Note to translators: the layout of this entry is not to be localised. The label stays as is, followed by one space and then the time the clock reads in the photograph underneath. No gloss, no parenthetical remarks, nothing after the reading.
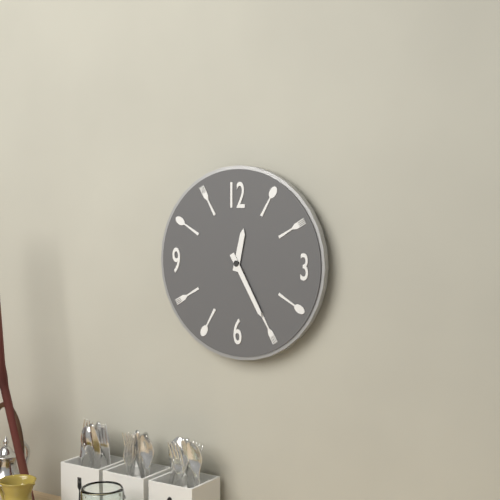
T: 12:25
